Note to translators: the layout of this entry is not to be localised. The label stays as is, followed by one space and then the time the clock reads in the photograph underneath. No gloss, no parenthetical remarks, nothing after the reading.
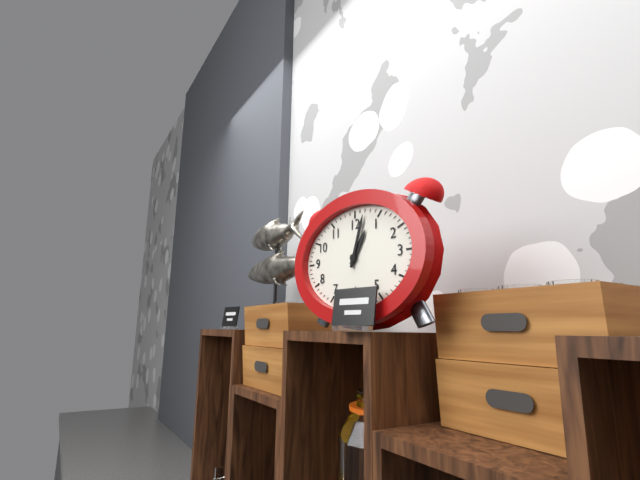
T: 1:03
